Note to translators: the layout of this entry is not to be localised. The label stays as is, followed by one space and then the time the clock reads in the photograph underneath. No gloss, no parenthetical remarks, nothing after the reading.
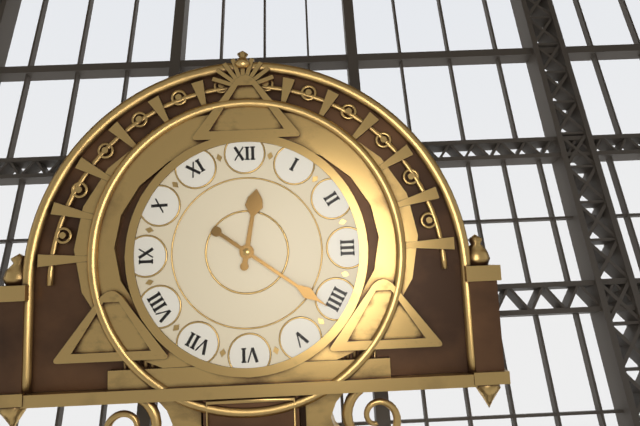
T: 12:21
